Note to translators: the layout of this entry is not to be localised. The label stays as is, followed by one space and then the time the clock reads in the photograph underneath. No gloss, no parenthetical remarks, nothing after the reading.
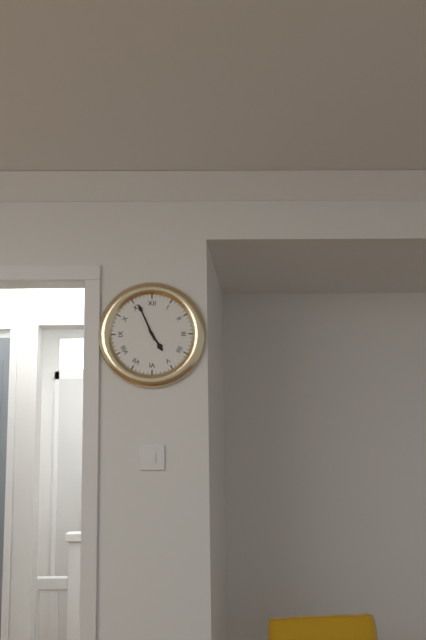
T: 4:56
